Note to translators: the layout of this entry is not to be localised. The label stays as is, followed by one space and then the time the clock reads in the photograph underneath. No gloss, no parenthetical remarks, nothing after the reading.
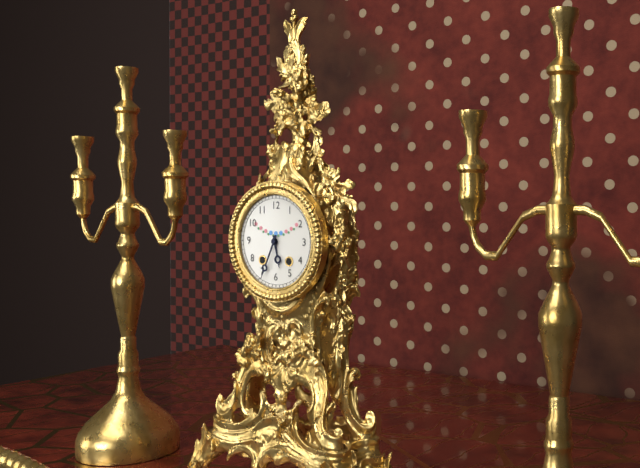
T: 5:34
